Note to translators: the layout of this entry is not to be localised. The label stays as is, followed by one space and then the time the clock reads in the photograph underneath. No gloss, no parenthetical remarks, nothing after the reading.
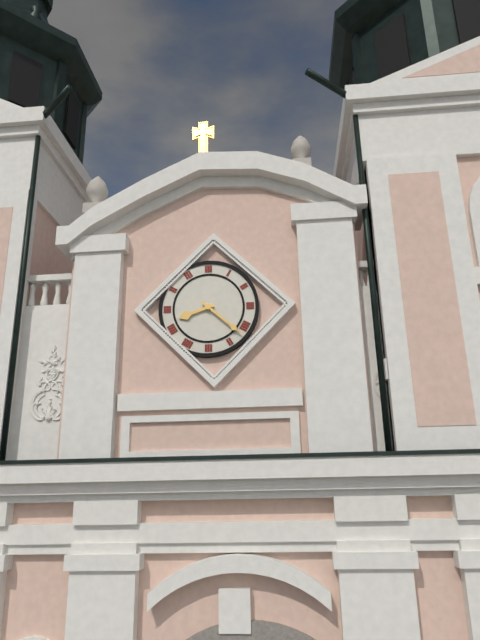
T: 8:22
